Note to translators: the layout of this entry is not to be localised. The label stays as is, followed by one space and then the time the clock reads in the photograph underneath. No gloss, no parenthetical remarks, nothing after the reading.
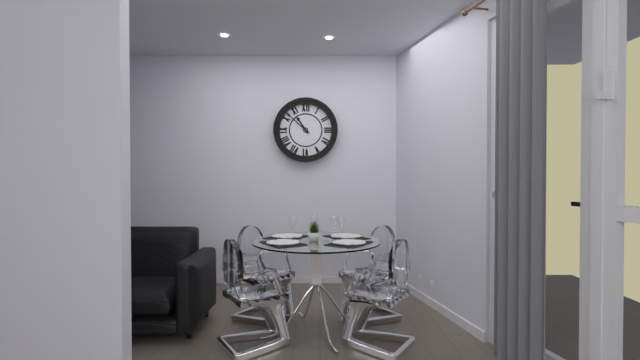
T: 10:52
